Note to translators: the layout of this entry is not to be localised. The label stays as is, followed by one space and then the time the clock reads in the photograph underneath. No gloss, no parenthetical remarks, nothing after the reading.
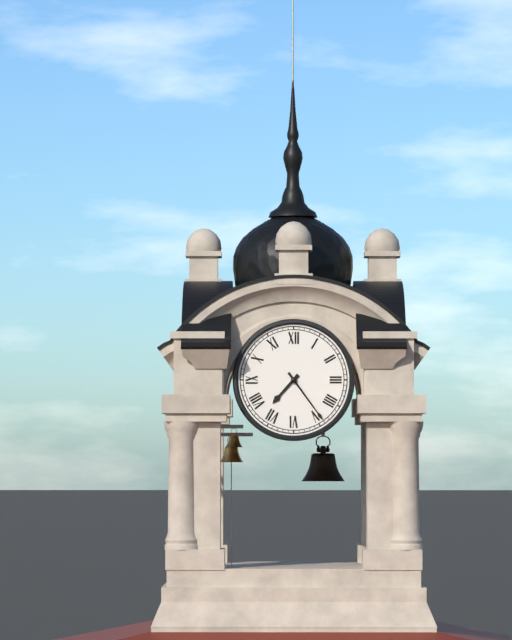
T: 7:24
